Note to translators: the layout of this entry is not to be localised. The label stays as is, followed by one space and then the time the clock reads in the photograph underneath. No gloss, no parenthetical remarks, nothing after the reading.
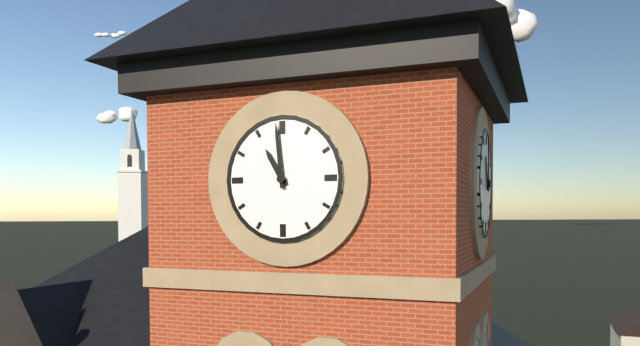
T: 10:59
